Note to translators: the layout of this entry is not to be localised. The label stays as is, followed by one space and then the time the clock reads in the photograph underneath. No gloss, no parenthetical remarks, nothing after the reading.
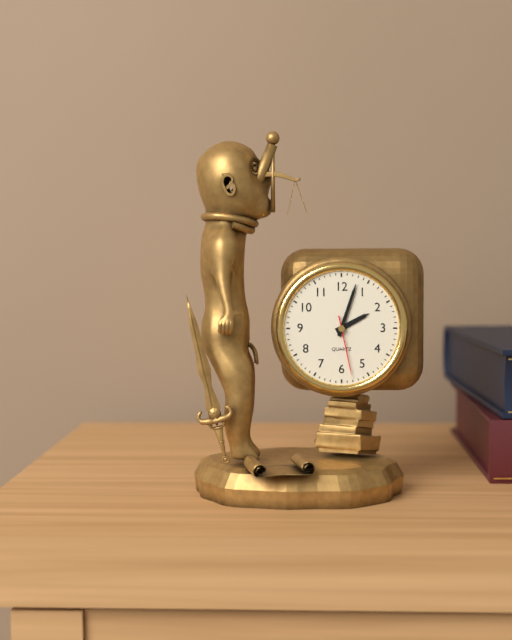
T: 2:03:28
